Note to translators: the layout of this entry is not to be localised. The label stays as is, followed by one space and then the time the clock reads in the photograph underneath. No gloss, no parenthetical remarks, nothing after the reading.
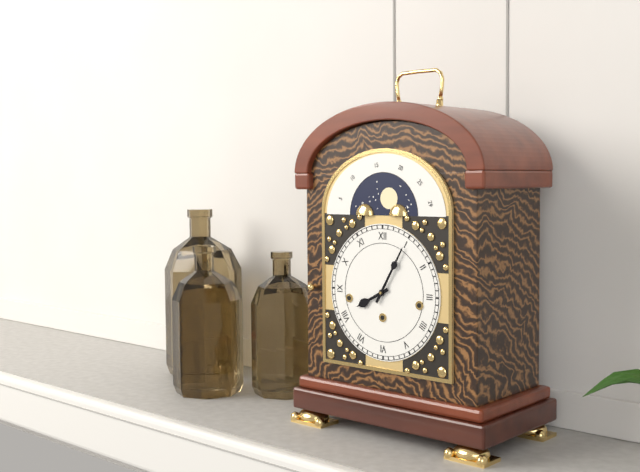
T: 8:05
